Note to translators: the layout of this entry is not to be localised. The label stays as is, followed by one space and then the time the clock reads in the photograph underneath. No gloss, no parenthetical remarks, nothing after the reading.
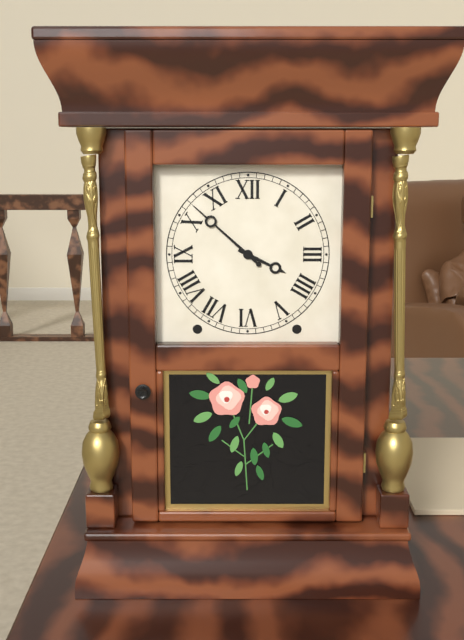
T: 3:52
